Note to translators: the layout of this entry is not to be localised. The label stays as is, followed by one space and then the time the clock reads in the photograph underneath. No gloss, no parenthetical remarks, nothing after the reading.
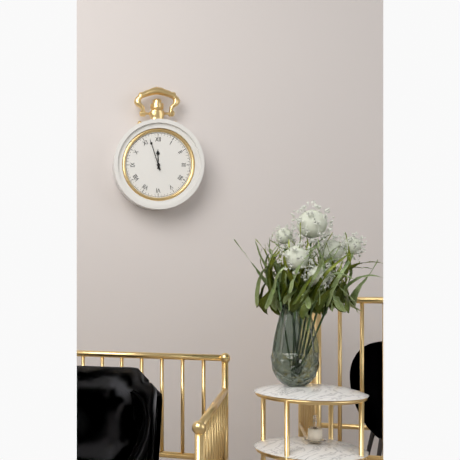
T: 11:57
